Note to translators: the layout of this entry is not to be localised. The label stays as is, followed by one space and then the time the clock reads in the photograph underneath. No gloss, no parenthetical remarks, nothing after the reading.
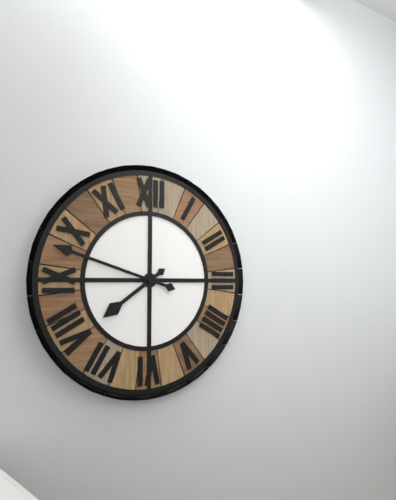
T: 7:48
